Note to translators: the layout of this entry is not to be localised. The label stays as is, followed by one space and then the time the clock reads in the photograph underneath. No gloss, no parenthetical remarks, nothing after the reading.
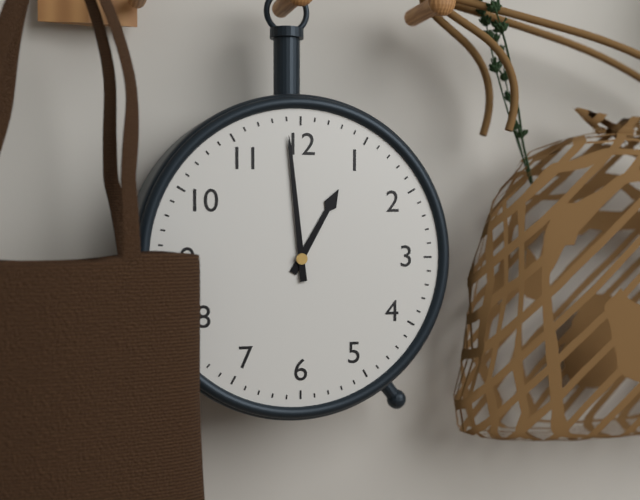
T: 12:59
